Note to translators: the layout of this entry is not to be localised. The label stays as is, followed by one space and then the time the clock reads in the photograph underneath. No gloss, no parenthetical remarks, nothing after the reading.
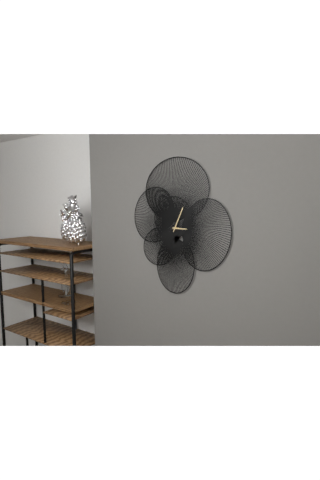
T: 3:04
